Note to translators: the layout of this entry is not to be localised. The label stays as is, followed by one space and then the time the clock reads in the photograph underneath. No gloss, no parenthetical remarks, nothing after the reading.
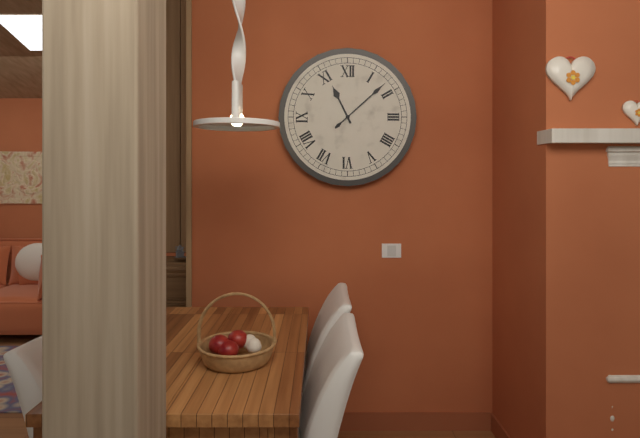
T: 11:08
